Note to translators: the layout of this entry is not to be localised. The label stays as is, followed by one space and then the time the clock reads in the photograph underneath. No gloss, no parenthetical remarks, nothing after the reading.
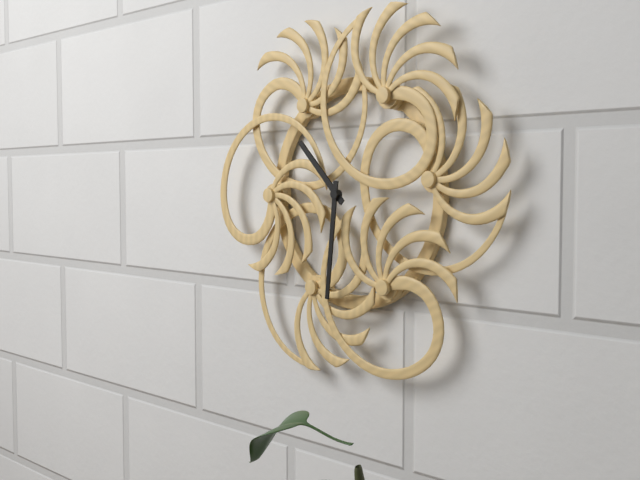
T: 10:31
